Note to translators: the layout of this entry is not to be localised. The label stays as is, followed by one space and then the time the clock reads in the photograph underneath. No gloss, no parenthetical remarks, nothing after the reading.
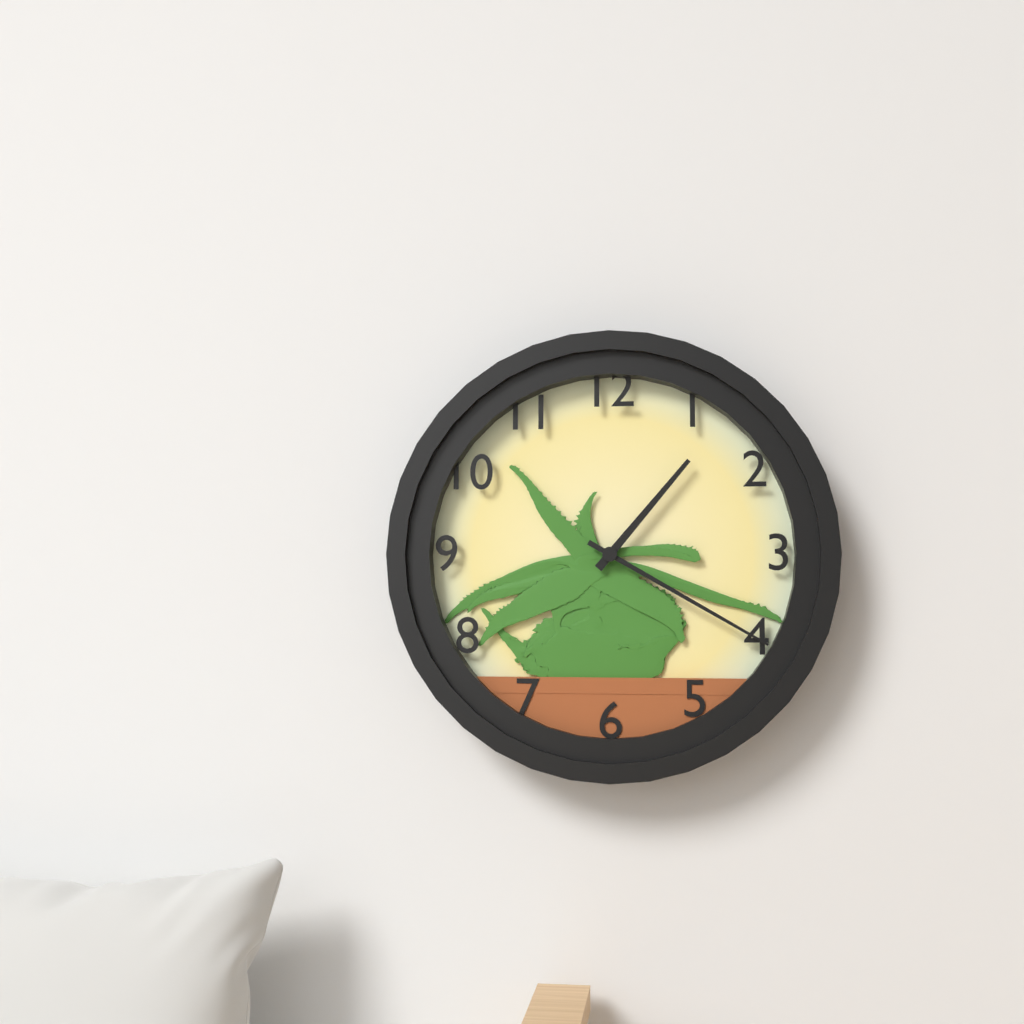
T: 1:20
